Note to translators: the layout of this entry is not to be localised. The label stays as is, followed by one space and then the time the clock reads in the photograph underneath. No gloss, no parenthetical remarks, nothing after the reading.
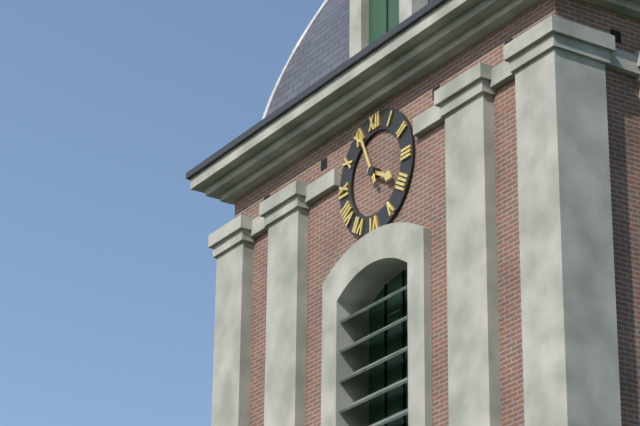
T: 3:56
